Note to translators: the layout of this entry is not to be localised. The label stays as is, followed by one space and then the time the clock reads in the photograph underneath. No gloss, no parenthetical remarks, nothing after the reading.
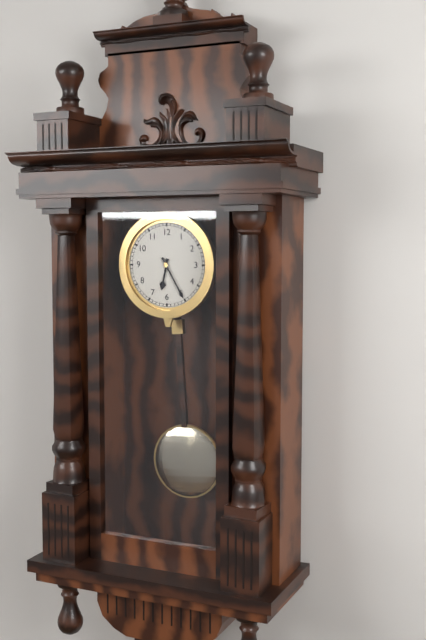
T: 6:25
